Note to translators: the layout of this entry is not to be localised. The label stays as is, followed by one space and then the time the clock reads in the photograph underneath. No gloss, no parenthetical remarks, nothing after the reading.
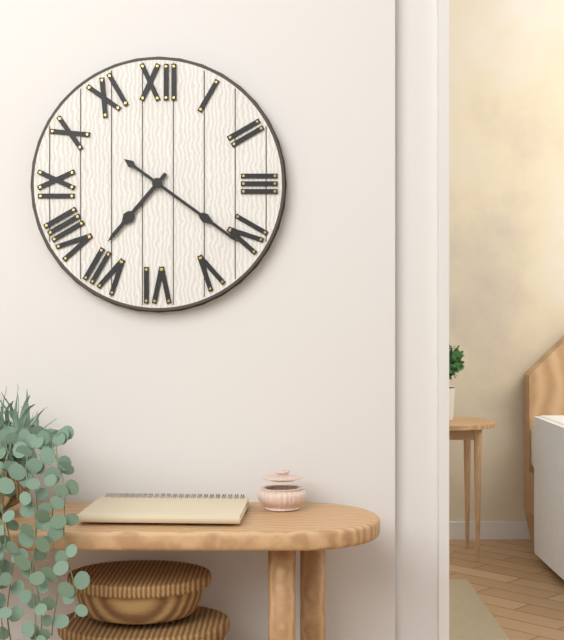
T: 7:21
